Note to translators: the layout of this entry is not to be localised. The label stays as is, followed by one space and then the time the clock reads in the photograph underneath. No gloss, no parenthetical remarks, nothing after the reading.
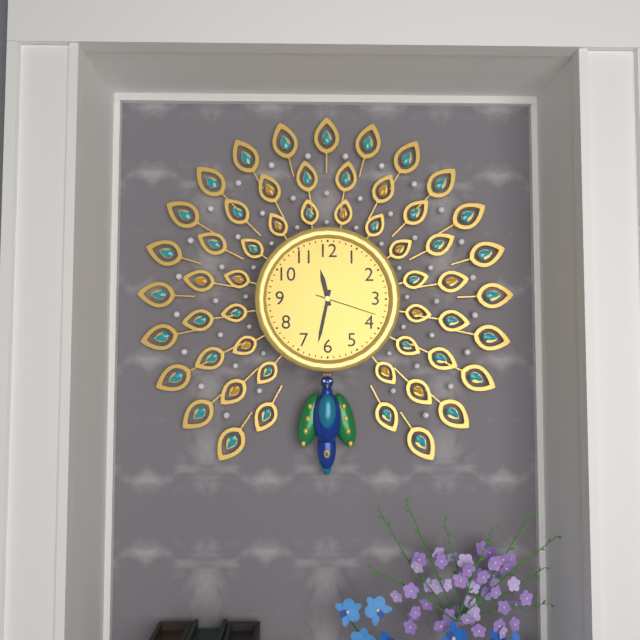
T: 11:32:18
